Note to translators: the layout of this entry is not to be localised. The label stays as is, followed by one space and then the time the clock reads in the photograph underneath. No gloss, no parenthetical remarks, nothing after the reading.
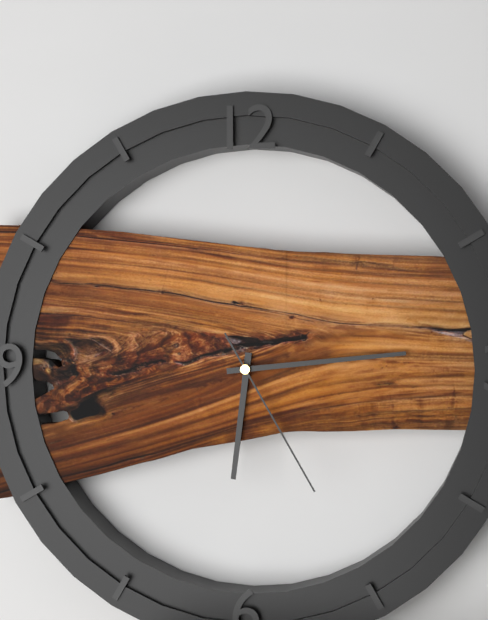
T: 6:14:25
